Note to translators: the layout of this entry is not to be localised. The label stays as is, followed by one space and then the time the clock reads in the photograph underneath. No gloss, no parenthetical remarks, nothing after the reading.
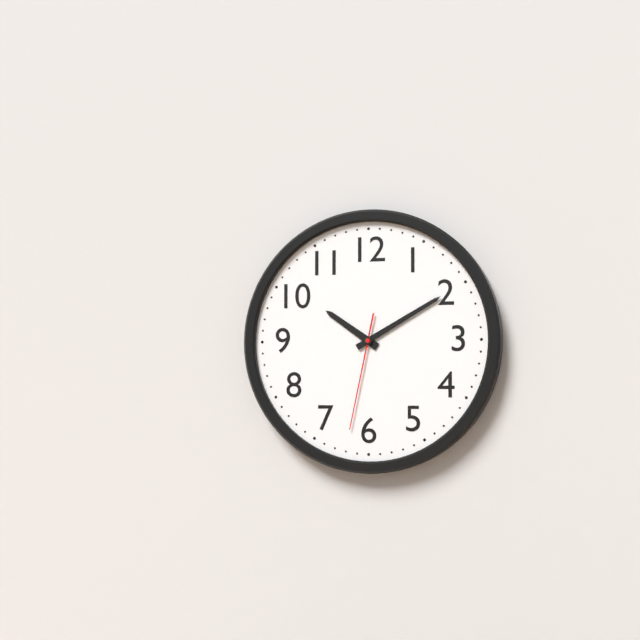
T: 10:10:32
